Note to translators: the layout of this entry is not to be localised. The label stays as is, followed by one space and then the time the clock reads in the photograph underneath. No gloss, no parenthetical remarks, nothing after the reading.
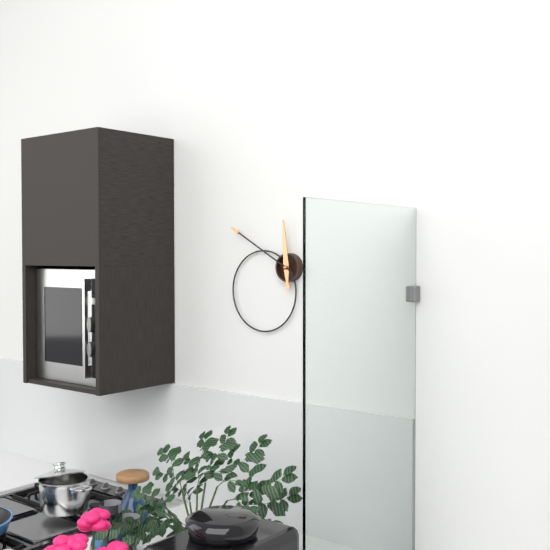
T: 11:50
